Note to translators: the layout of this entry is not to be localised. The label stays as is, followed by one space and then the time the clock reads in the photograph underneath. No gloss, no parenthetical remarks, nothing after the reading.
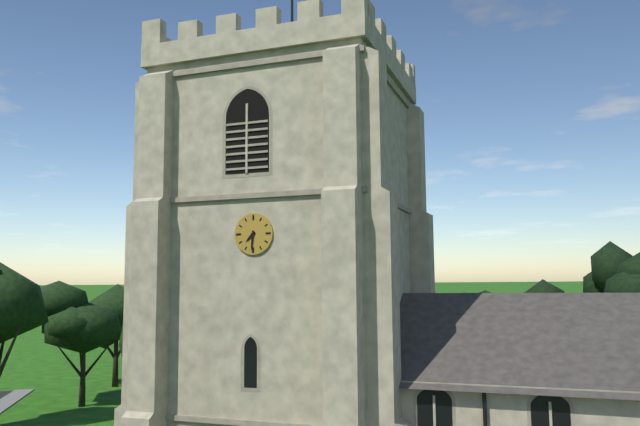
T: 7:31
